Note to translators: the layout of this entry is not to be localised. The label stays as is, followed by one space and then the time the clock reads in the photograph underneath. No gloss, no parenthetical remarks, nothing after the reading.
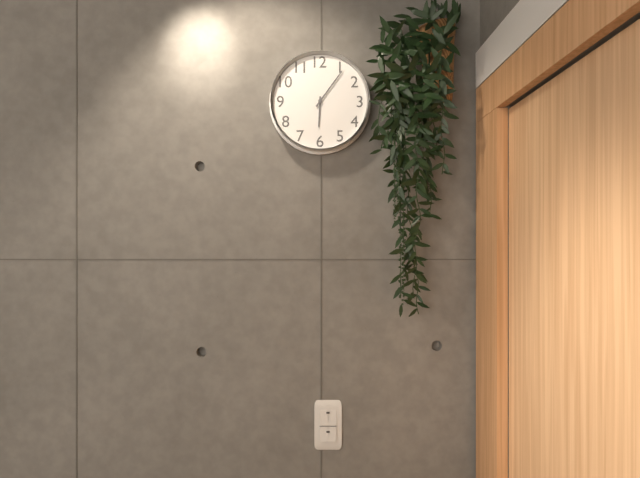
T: 6:06
